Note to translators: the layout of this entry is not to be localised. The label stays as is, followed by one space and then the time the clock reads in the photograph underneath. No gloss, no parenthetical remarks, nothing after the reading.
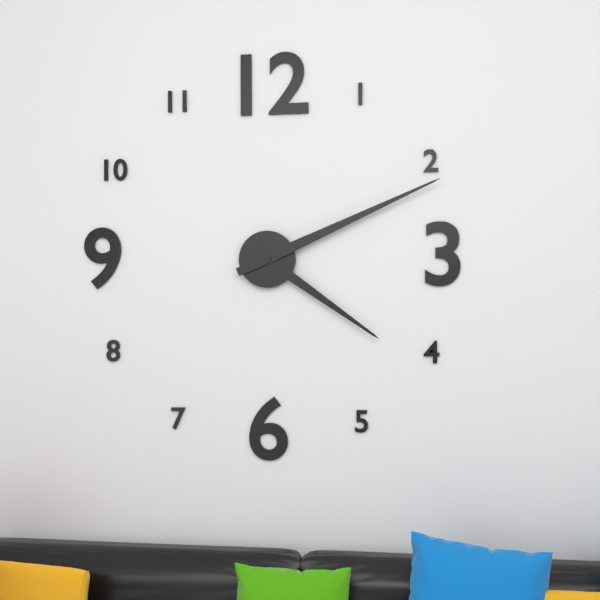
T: 4:11
